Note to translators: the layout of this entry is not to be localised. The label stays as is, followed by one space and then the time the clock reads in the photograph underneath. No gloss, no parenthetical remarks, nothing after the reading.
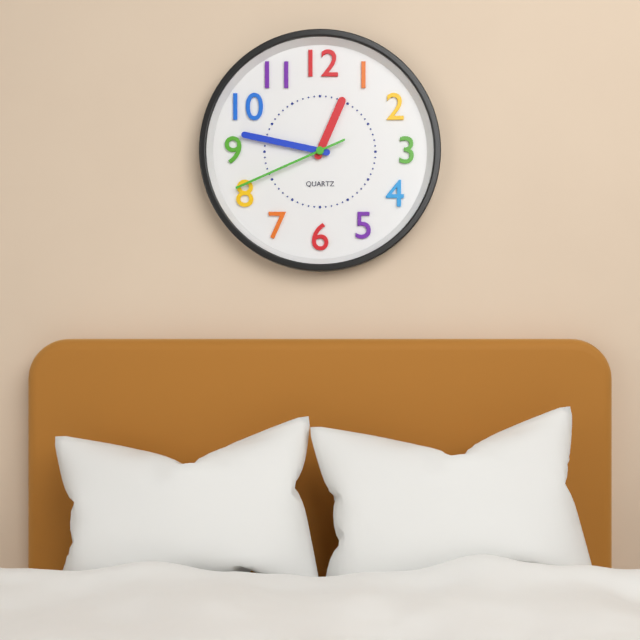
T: 12:47:41
